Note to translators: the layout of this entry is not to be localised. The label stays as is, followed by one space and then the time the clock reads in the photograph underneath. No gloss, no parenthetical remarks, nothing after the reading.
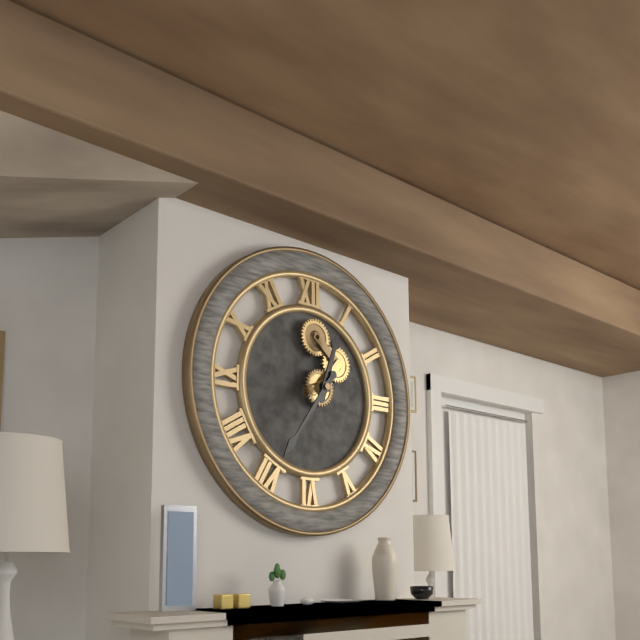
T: 12:36
